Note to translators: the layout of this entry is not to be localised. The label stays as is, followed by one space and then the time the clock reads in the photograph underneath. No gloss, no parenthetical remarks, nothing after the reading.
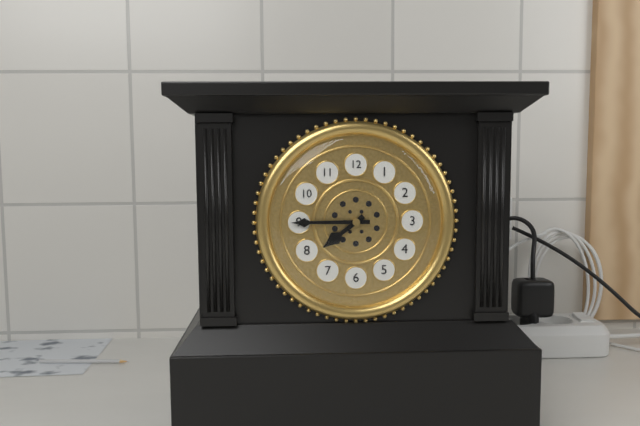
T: 7:45
